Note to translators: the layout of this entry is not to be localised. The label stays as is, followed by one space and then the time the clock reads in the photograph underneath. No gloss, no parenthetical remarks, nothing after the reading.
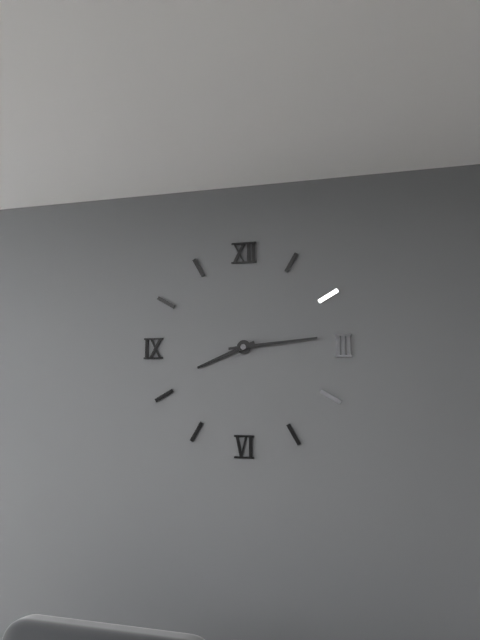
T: 8:14
